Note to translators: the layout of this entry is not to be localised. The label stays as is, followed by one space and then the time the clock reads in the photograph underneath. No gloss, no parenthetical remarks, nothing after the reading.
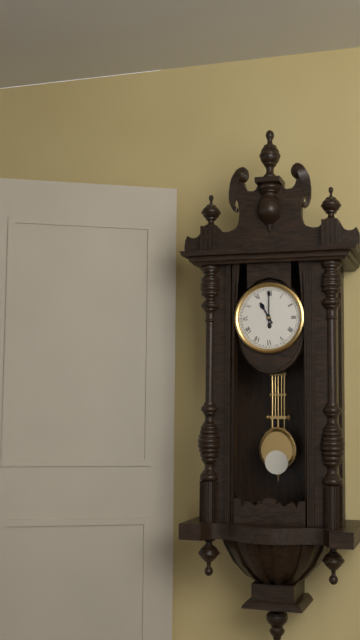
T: 11:00
